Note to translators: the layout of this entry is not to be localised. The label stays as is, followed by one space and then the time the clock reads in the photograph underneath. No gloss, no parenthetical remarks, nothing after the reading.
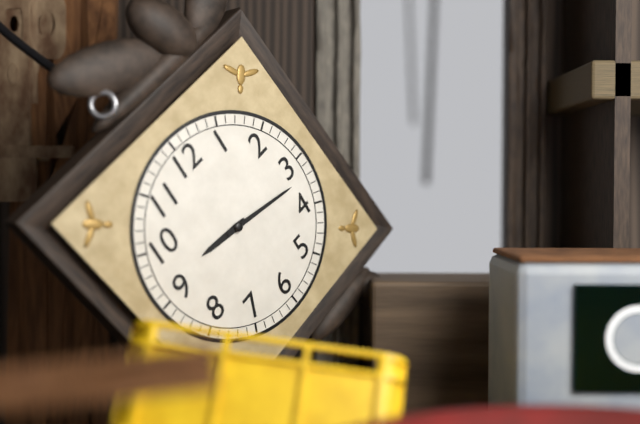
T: 9:17
